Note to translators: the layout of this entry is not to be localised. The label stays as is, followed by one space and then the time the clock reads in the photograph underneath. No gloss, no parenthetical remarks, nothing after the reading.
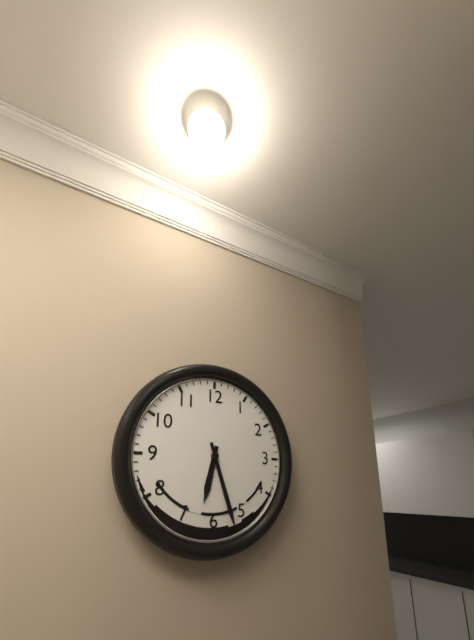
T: 6:27
